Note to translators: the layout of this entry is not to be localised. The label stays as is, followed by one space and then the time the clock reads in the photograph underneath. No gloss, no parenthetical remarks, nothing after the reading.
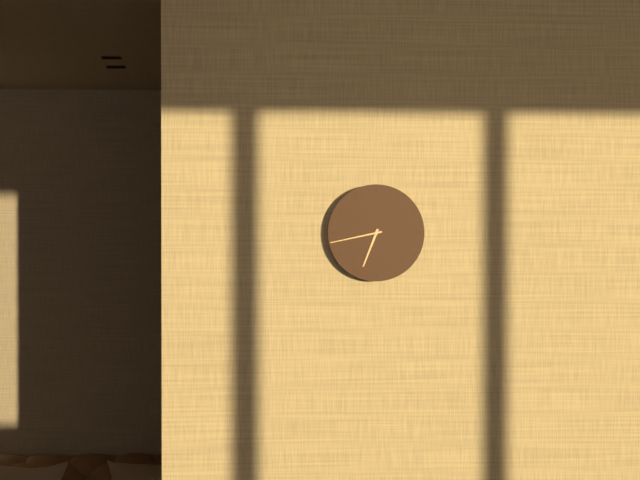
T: 6:43
